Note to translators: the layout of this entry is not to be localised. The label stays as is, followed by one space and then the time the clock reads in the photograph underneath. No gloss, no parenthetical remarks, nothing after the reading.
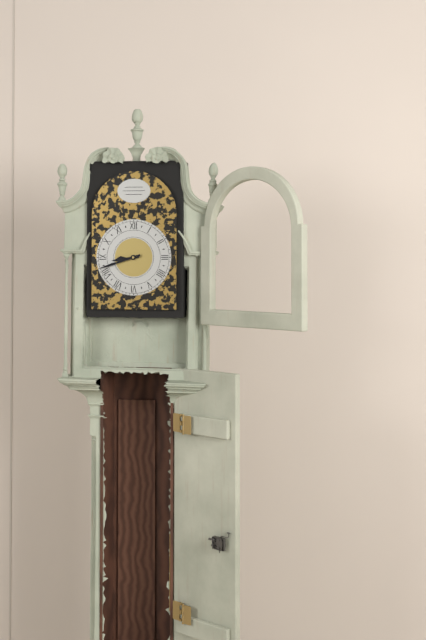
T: 8:42
